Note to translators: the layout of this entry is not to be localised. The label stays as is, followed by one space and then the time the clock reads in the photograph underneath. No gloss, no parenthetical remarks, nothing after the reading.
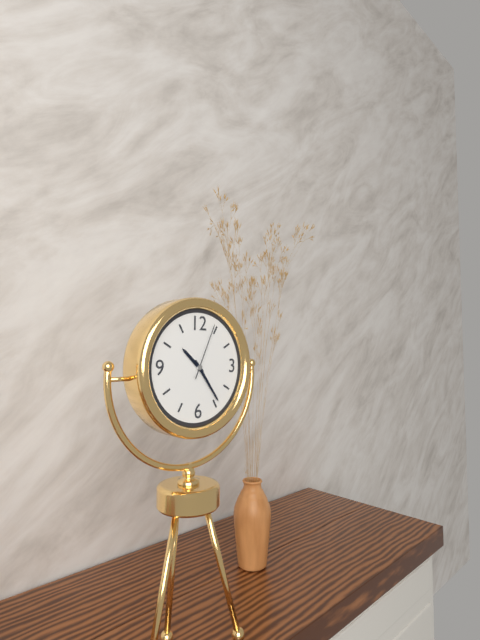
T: 10:24:04
